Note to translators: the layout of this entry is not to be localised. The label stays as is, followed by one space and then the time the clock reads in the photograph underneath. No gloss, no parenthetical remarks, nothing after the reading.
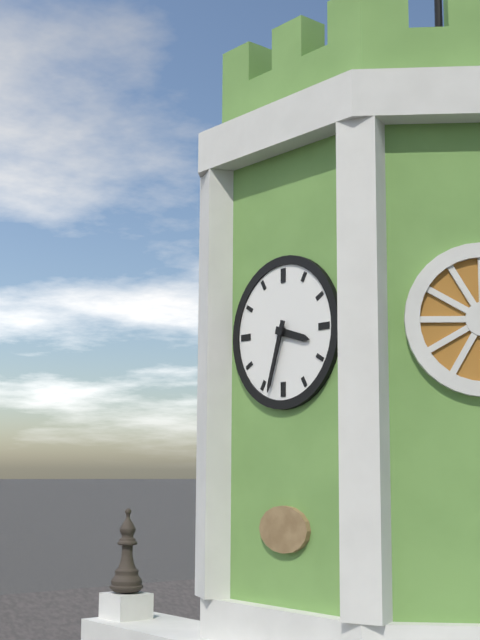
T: 3:33
